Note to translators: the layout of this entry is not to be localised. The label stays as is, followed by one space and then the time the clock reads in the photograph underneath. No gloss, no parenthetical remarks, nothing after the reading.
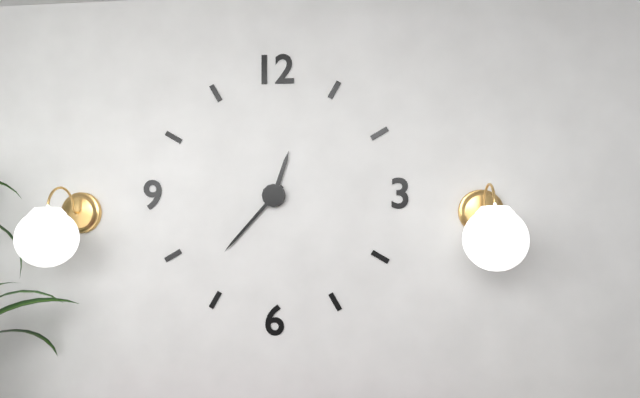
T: 12:37
